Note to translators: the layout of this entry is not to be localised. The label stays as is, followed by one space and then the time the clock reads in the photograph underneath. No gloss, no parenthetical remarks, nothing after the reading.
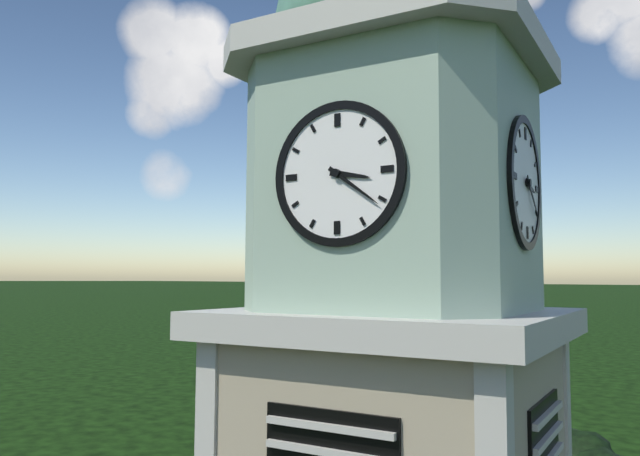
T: 3:21
